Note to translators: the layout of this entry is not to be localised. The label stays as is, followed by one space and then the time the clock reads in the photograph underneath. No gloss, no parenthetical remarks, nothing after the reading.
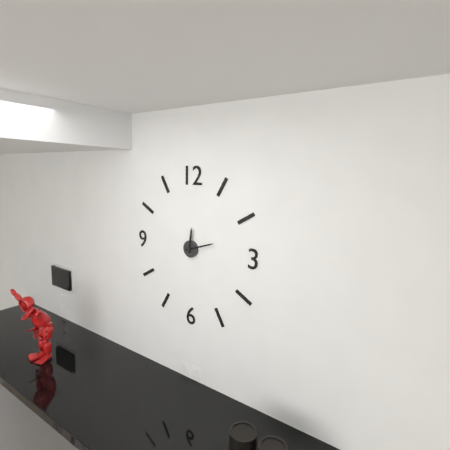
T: 12:12
